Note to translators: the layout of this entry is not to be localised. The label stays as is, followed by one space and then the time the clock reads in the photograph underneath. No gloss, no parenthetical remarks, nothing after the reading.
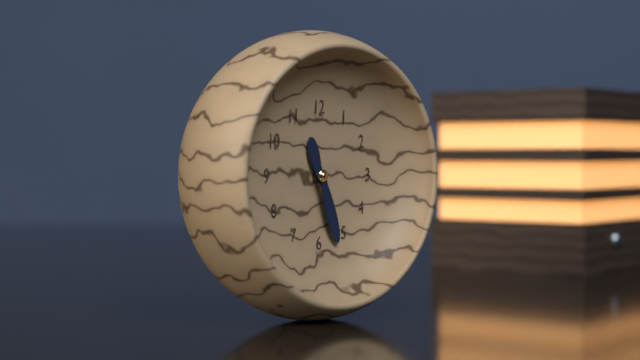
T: 11:27
